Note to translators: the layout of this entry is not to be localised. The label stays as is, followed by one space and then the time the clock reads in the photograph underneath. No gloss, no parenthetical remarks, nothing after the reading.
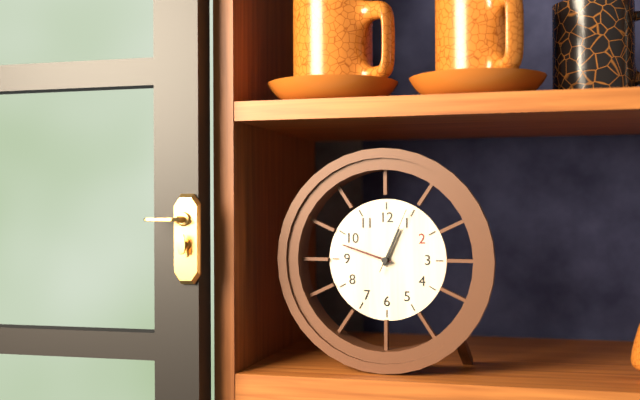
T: 12:48:04
